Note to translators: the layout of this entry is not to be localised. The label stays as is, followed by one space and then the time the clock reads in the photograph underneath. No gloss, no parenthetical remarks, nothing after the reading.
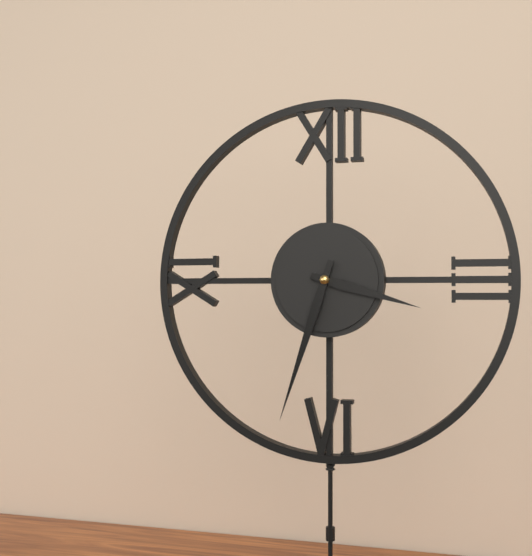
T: 3:33
